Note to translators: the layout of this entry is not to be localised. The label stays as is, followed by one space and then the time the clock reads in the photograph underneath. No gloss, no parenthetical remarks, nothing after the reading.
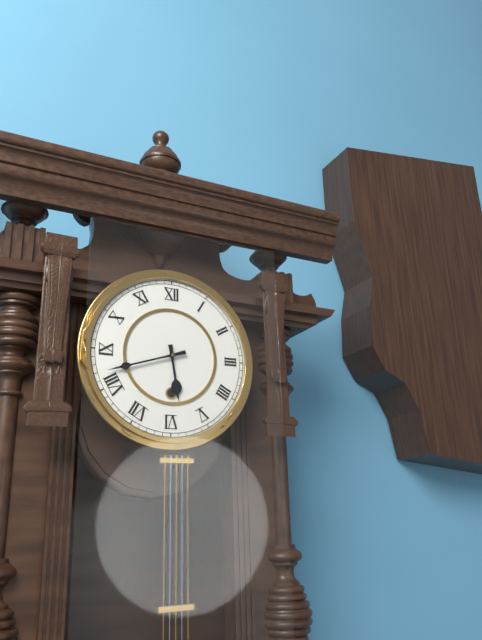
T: 5:42
